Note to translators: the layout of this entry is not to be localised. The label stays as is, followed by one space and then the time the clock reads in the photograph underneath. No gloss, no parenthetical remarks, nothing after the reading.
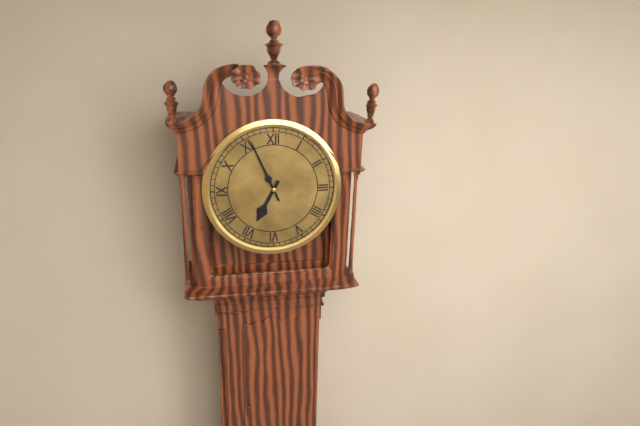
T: 6:56
